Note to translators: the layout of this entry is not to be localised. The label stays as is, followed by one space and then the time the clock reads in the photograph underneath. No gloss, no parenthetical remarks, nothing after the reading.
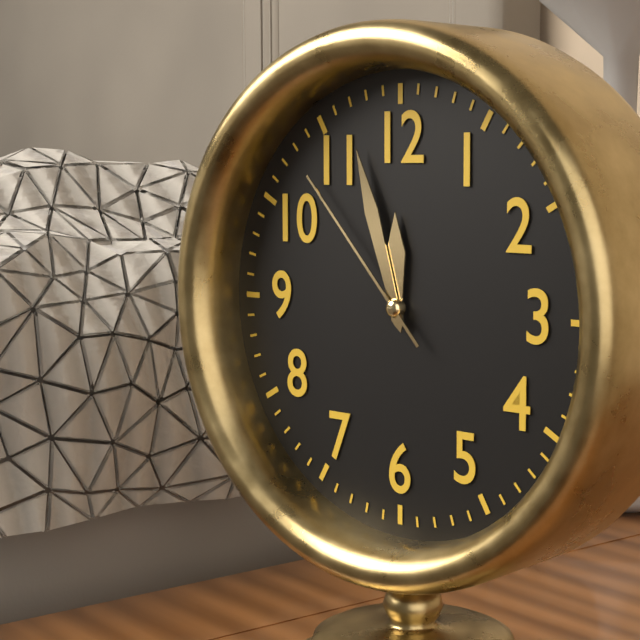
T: 11:57:53
